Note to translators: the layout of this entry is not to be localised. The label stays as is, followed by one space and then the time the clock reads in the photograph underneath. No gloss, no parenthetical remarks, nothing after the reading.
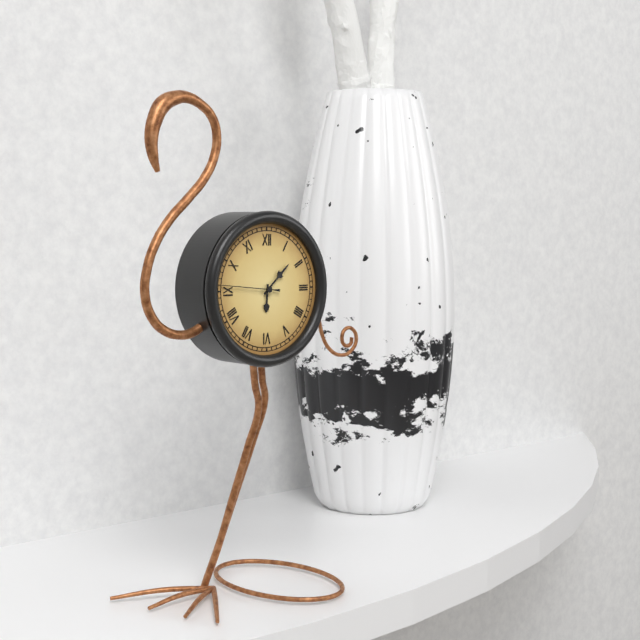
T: 6:08
